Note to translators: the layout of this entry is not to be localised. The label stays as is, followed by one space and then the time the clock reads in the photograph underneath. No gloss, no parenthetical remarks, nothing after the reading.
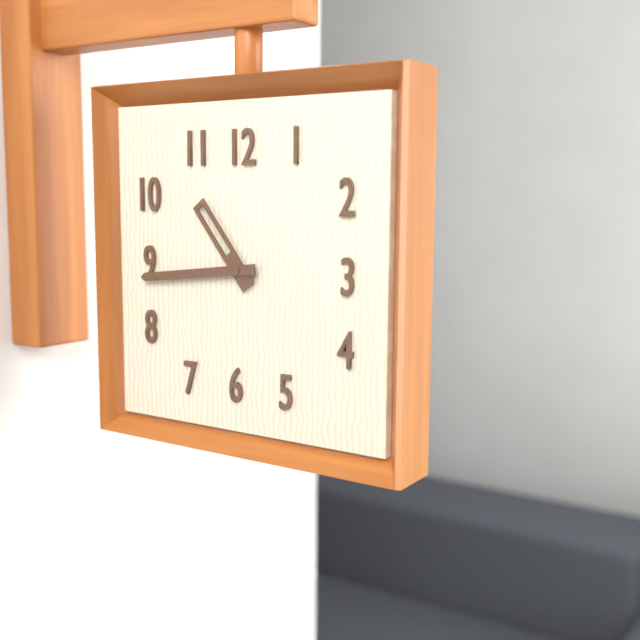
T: 10:44
